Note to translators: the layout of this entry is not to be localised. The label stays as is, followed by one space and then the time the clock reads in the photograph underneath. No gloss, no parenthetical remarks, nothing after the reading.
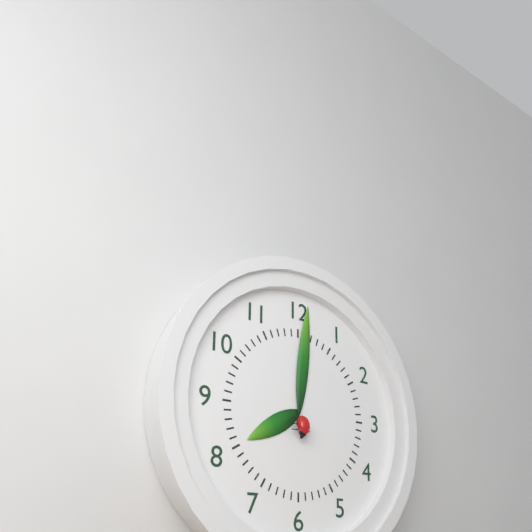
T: 8:01
